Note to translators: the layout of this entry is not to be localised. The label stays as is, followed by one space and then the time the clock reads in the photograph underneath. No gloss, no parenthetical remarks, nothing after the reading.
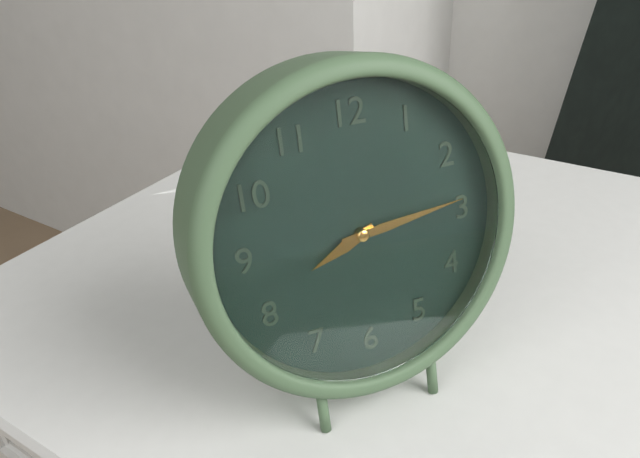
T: 8:14
